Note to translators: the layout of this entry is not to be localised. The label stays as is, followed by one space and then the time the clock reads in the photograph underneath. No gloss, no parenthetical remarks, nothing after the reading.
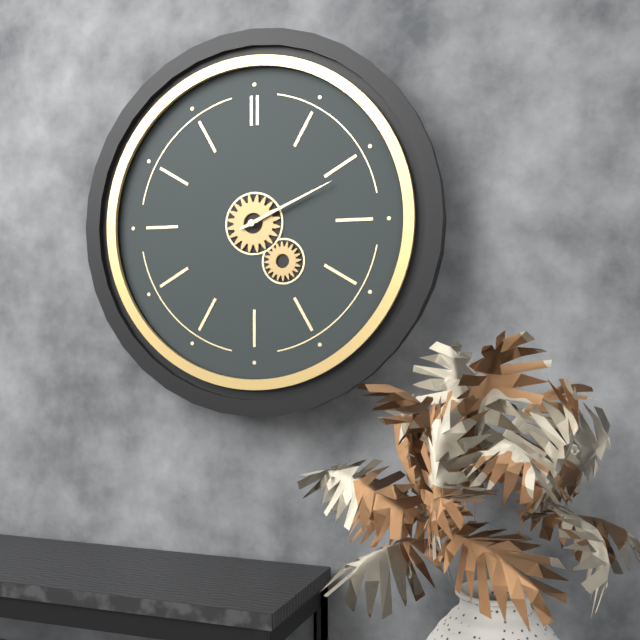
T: 2:11
